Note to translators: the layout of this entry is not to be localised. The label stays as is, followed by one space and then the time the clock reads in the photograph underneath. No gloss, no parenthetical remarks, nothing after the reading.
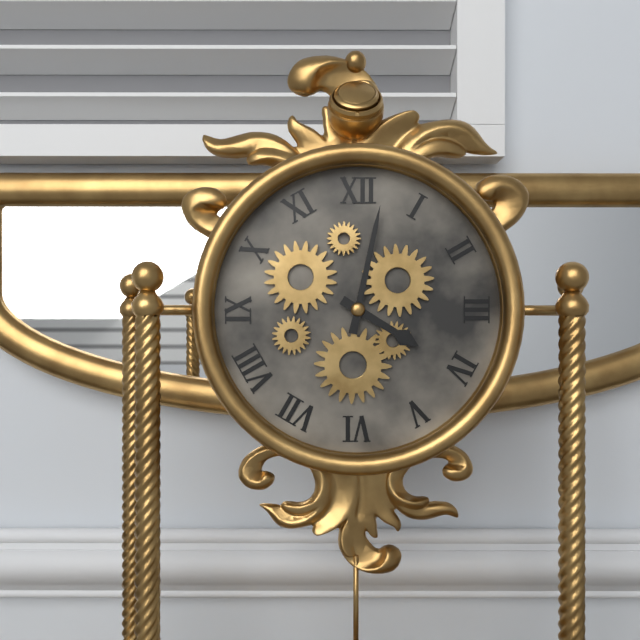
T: 4:02
